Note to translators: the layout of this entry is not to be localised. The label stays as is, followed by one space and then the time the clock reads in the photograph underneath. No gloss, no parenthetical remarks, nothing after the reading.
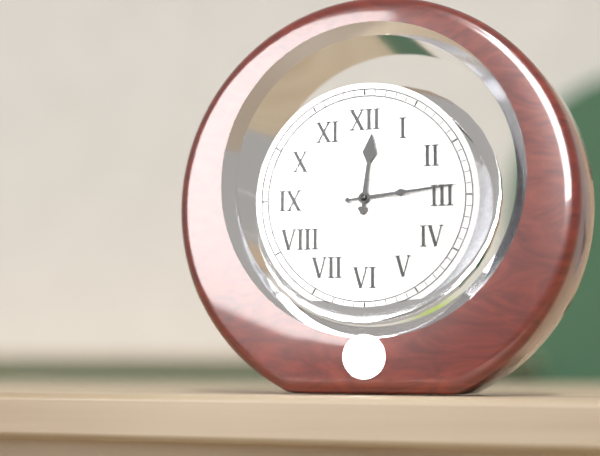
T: 12:14
